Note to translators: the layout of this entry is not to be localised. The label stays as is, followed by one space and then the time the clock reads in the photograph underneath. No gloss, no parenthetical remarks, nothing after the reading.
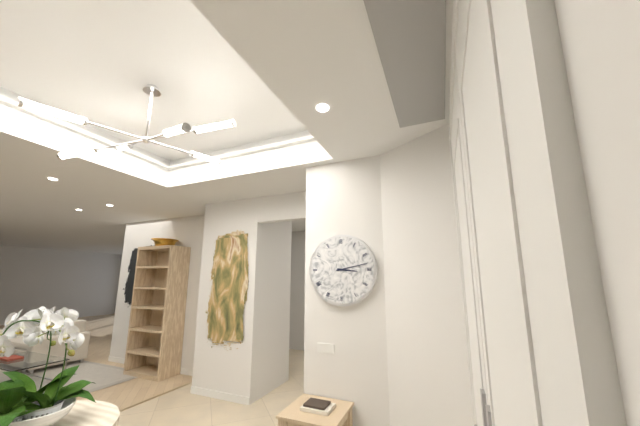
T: 3:13
